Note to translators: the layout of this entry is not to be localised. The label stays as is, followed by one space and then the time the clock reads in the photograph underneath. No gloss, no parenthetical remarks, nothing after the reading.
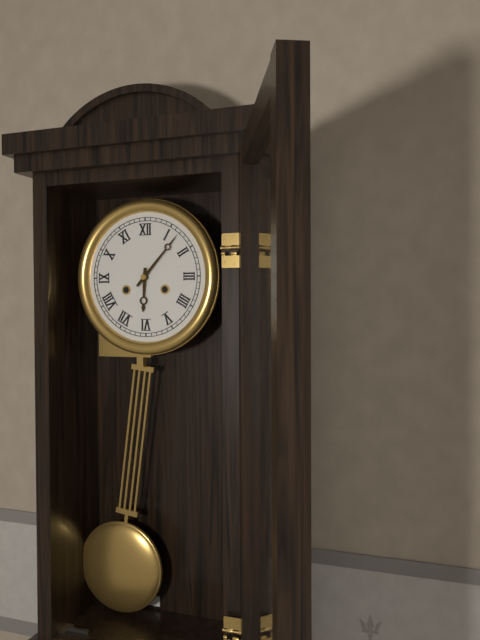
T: 6:07
